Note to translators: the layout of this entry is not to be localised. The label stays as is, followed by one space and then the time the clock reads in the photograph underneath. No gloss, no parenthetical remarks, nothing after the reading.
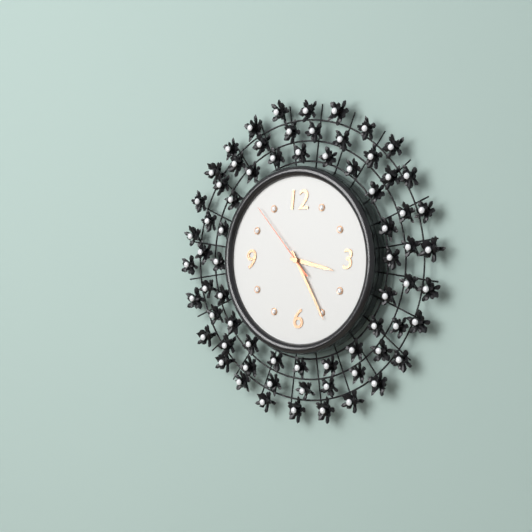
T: 3:25:53
